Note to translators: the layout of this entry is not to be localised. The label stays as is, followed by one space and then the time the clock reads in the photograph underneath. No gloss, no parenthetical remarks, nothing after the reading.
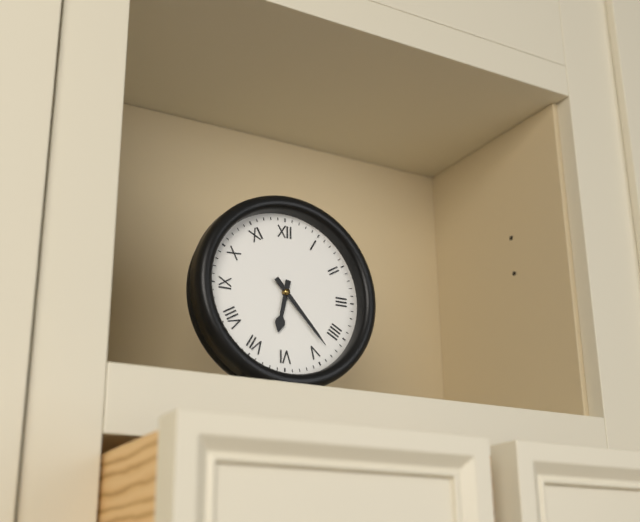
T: 6:23
